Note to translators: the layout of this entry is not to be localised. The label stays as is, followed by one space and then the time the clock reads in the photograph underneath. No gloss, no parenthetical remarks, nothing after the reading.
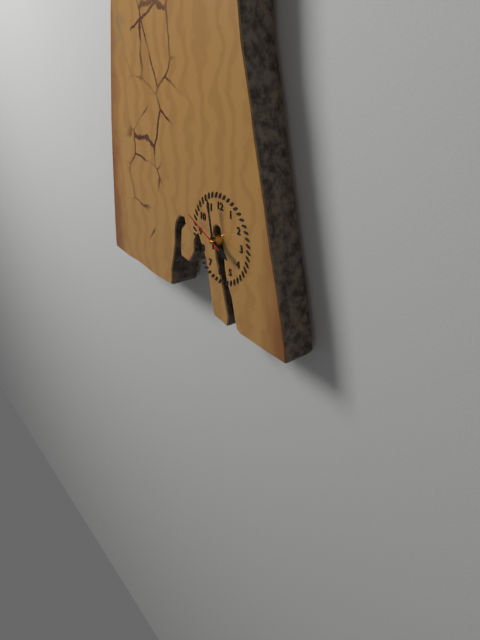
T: 3:58
